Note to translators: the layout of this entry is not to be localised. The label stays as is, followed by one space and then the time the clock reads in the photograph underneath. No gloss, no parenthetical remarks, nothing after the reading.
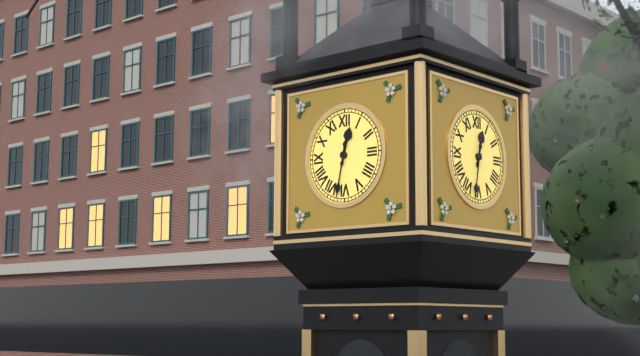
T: 12:32
